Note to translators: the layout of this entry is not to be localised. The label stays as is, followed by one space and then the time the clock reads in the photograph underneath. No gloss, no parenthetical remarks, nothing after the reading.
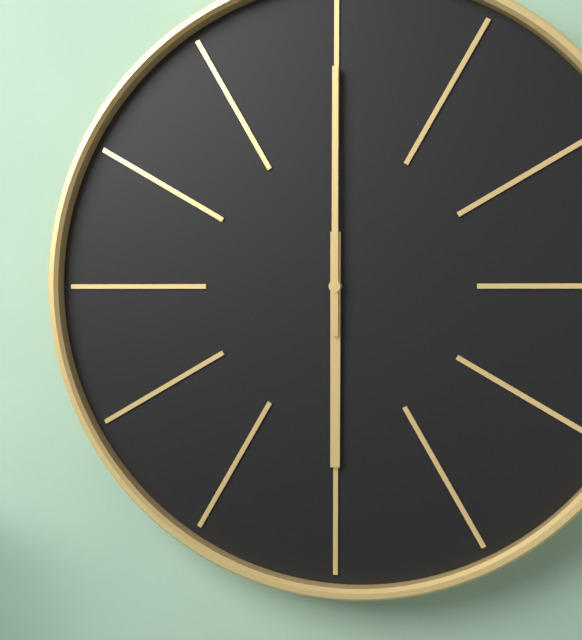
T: 6:00
